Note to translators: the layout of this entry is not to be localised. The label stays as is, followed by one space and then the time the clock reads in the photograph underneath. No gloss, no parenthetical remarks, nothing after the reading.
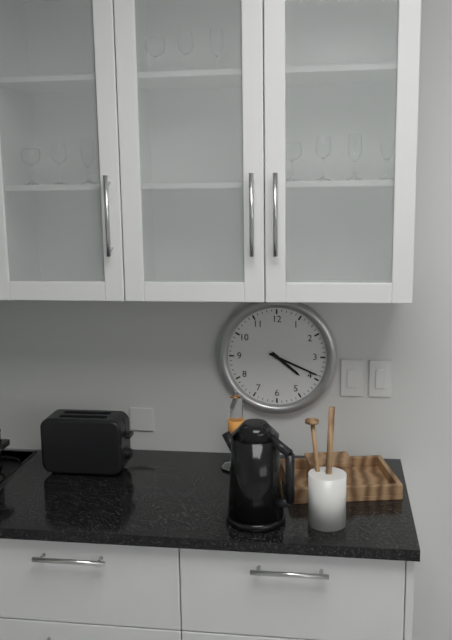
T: 4:19
